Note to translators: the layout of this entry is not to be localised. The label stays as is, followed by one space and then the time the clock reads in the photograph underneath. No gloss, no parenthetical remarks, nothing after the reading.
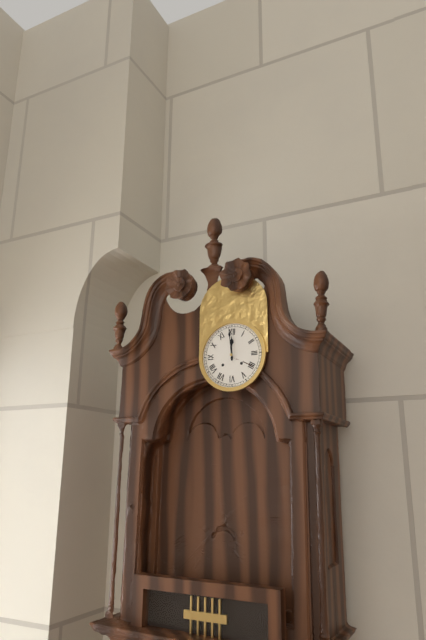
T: 11:59
